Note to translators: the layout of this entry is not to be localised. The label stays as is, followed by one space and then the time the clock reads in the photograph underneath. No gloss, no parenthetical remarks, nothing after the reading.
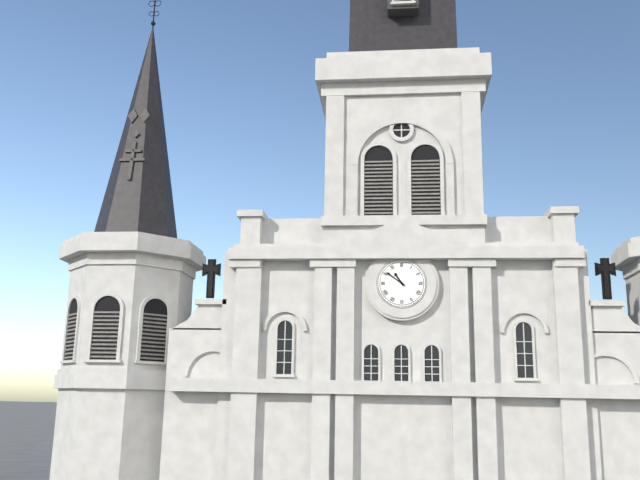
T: 10:51
